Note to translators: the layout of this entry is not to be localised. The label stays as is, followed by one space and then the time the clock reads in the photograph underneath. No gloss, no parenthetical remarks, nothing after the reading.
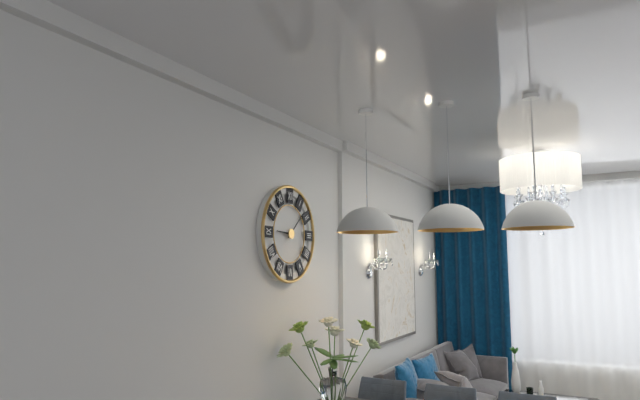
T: 9:08
